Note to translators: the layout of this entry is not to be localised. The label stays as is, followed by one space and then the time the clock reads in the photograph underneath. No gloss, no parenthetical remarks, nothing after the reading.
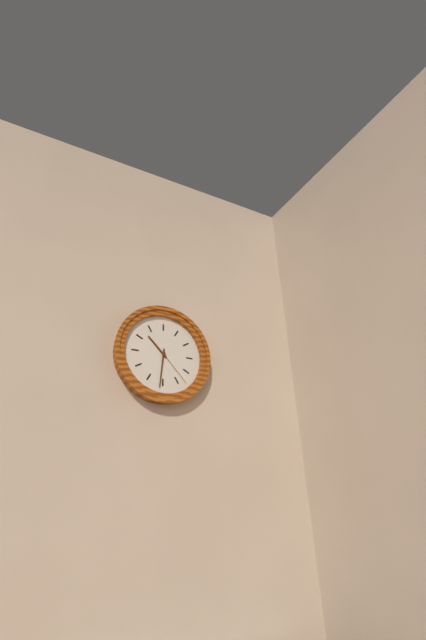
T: 10:31
